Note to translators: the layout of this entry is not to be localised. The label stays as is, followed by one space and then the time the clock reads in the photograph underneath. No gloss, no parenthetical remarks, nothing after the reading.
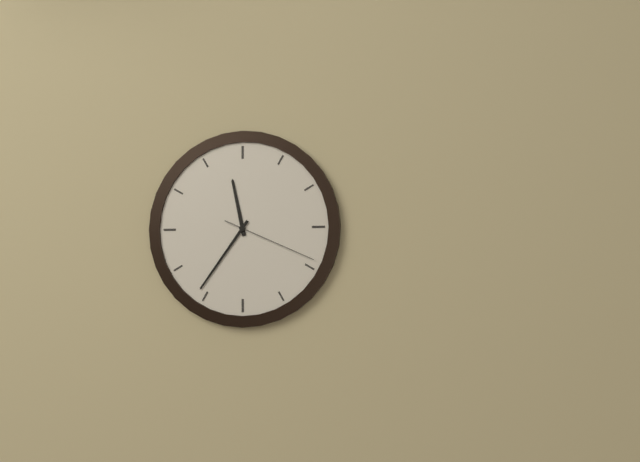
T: 11:36:19
